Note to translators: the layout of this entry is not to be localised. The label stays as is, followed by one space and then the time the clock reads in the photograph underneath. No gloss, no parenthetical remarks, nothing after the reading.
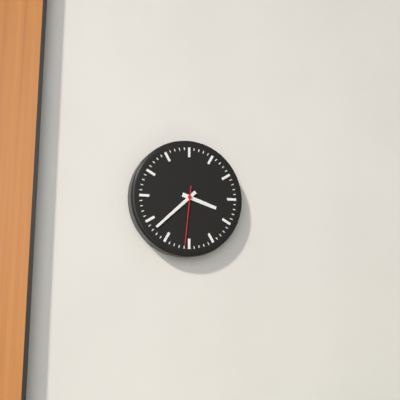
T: 3:38:31
